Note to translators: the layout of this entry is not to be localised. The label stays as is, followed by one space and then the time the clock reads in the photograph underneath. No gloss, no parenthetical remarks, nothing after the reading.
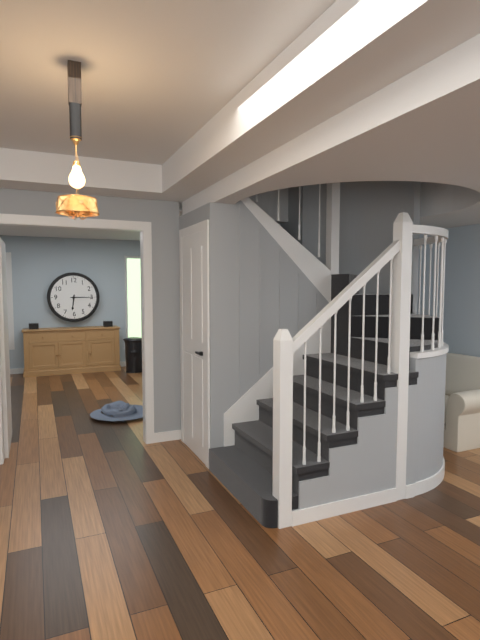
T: 6:15
